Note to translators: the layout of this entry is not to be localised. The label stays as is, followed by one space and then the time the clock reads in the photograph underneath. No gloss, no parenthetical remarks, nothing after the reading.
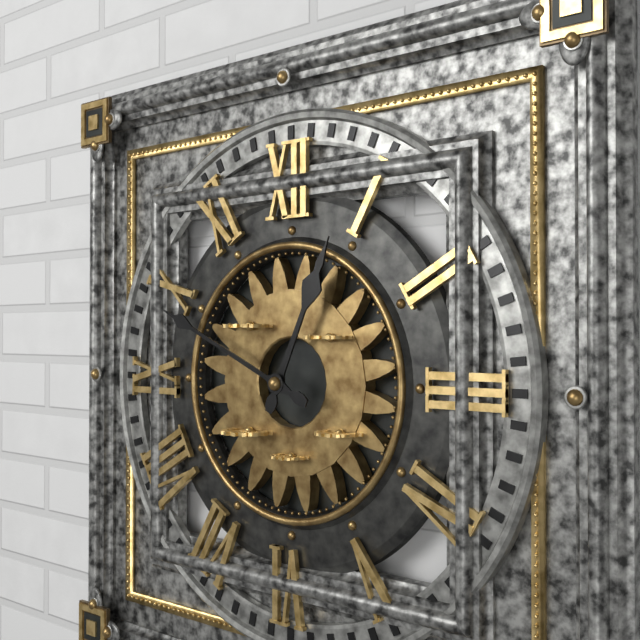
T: 12:49
